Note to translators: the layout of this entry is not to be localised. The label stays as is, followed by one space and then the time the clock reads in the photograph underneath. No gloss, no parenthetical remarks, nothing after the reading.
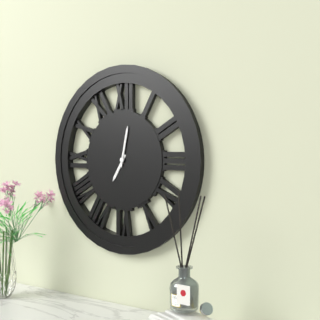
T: 7:02
